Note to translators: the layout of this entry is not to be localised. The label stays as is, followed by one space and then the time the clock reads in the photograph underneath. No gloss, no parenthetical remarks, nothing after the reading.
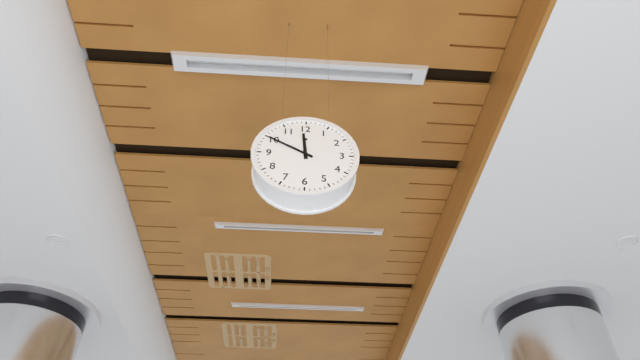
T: 11:50
